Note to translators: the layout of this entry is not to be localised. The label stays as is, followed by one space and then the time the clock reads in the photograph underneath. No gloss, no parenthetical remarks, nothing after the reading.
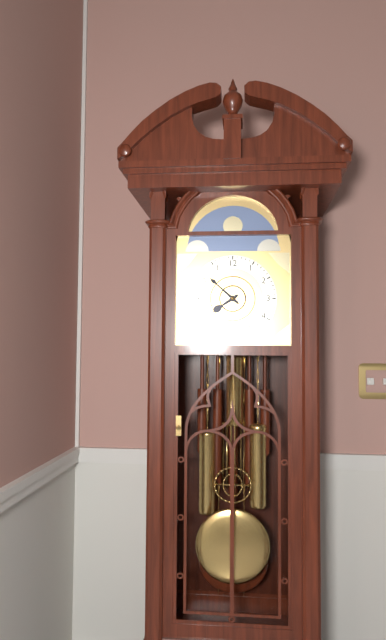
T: 7:52
